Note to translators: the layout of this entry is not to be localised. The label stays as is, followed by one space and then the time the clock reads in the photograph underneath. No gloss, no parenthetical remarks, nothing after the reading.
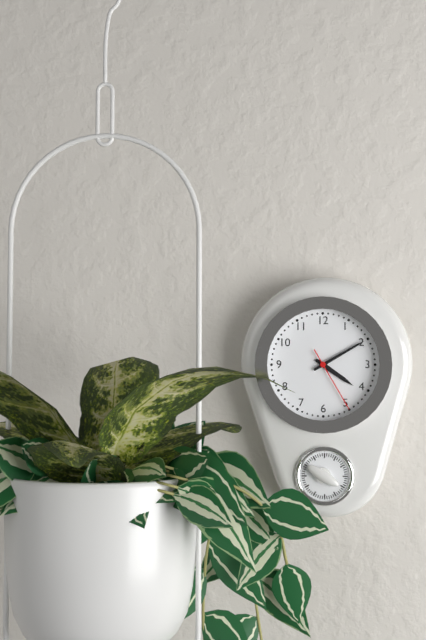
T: 4:10:25
